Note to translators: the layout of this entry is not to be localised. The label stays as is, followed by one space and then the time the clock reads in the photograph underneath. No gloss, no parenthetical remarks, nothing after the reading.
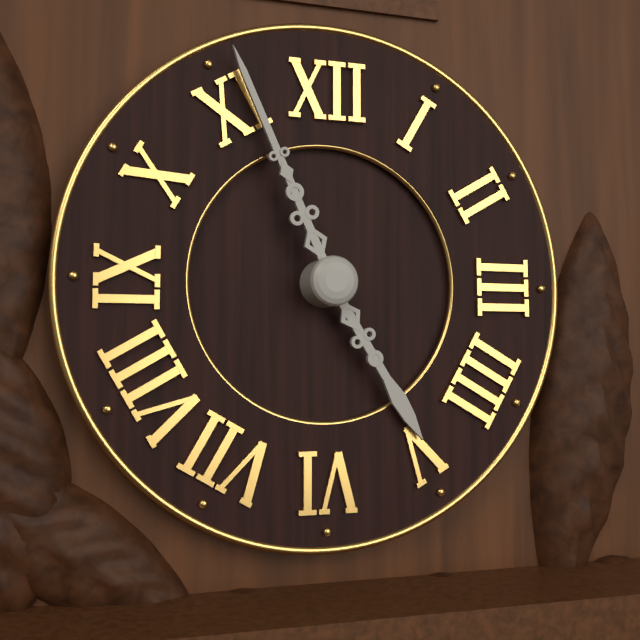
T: 4:56
